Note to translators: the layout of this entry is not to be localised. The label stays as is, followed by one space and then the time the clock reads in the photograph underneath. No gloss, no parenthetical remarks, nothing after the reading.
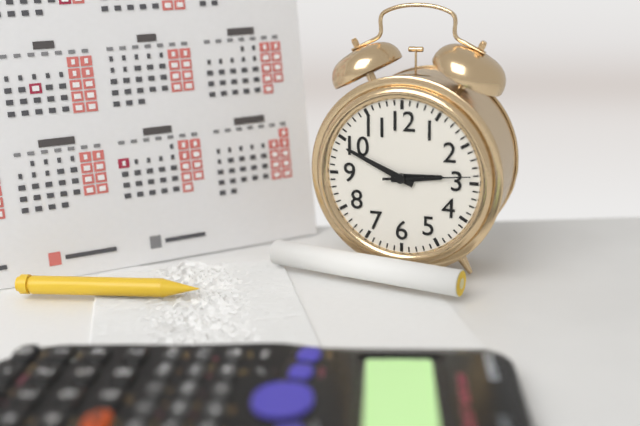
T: 2:49:14
